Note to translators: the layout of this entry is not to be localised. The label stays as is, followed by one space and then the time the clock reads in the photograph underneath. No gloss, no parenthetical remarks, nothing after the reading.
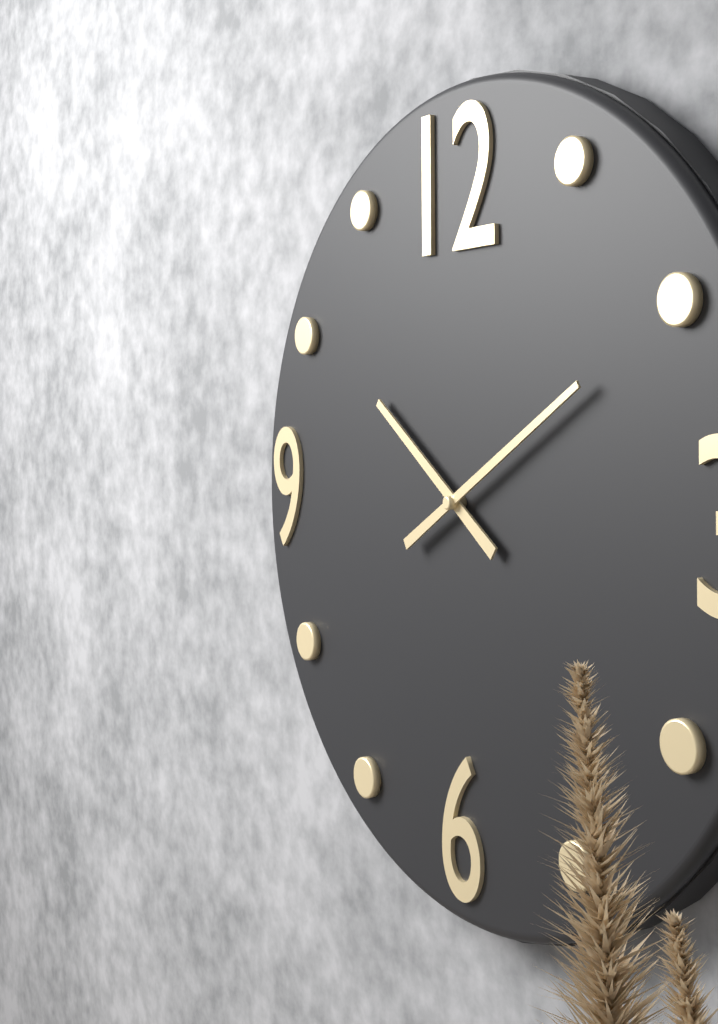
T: 10:10
